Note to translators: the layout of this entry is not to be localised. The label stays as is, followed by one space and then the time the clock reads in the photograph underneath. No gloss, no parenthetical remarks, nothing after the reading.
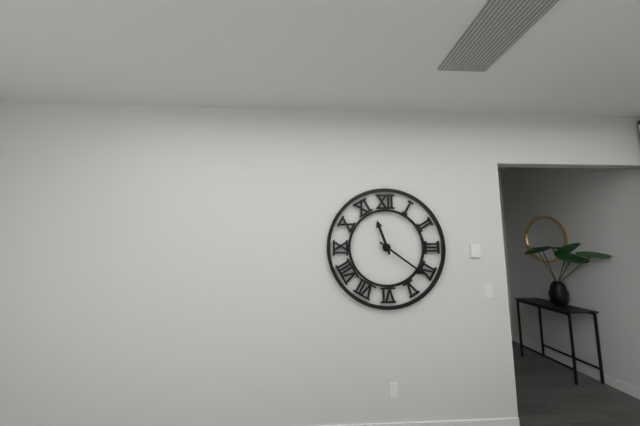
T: 11:21
